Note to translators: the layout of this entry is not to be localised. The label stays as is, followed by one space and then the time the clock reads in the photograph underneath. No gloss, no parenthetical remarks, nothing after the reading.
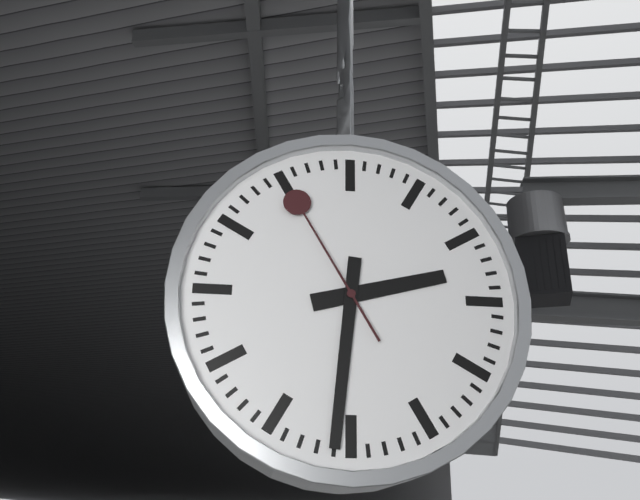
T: 2:31:55
